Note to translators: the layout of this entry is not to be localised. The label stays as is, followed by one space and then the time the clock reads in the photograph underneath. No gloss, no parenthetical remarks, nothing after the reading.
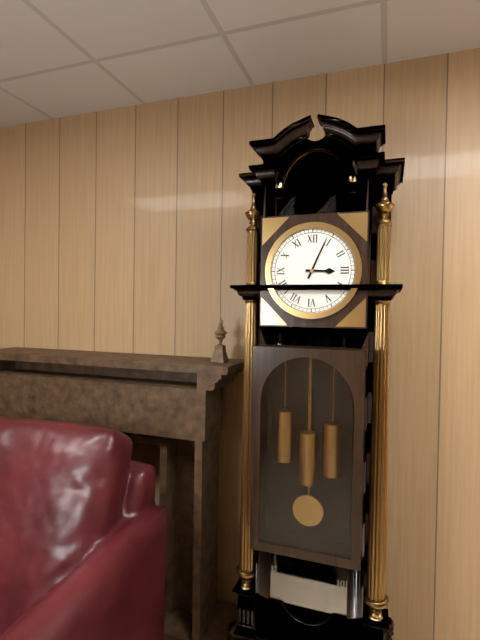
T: 3:04
